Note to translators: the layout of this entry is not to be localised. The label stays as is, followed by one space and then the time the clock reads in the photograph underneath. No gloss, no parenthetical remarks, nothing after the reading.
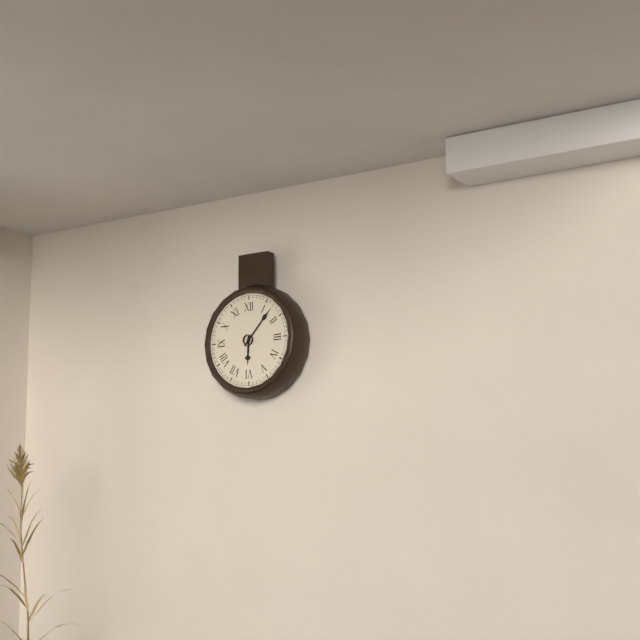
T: 6:07
